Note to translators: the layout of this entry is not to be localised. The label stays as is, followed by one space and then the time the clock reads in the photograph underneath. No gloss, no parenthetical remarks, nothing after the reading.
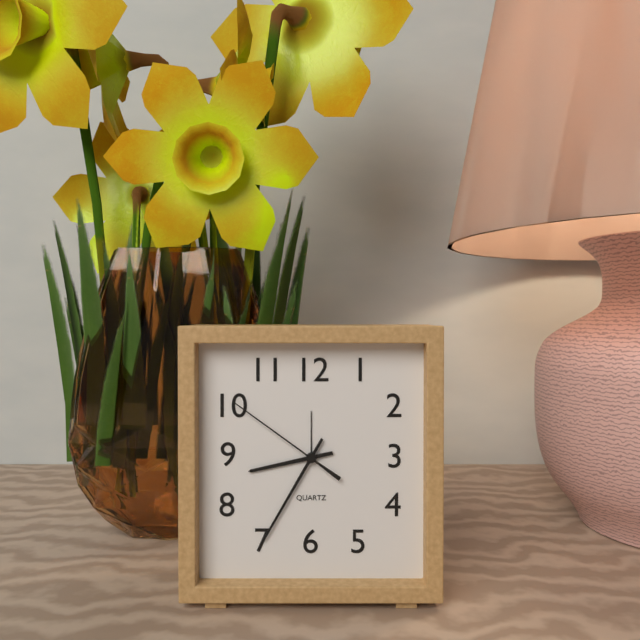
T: 8:35:51
